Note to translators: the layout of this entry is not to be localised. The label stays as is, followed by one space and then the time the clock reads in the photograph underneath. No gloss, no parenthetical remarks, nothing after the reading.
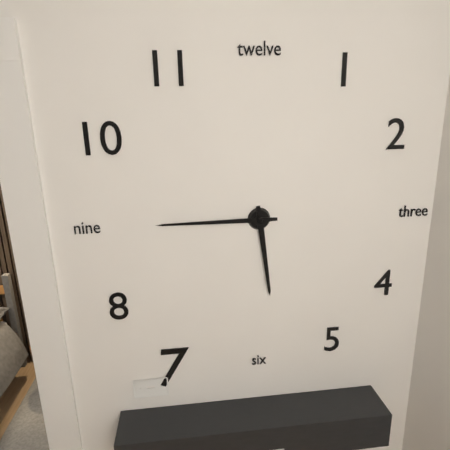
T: 5:45
